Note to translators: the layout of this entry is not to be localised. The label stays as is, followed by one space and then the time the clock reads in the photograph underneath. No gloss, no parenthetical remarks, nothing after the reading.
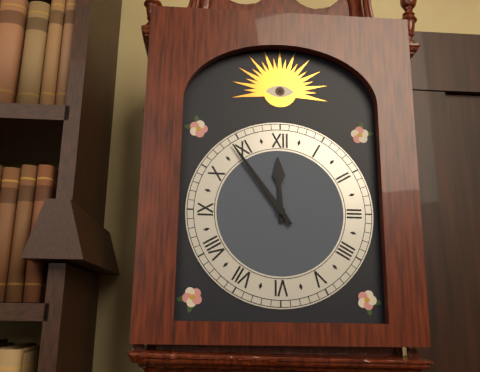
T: 11:54
